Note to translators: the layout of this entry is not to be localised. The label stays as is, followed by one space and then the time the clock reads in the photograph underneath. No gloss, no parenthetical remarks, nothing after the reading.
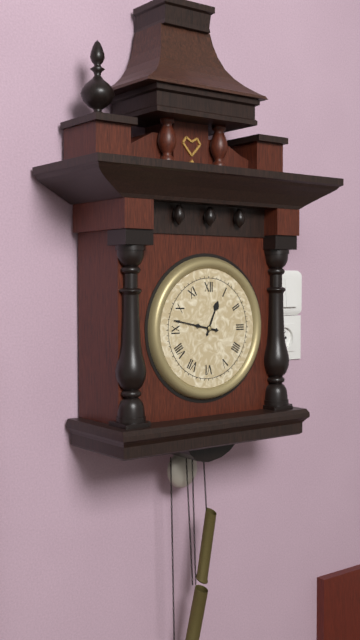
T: 12:47
